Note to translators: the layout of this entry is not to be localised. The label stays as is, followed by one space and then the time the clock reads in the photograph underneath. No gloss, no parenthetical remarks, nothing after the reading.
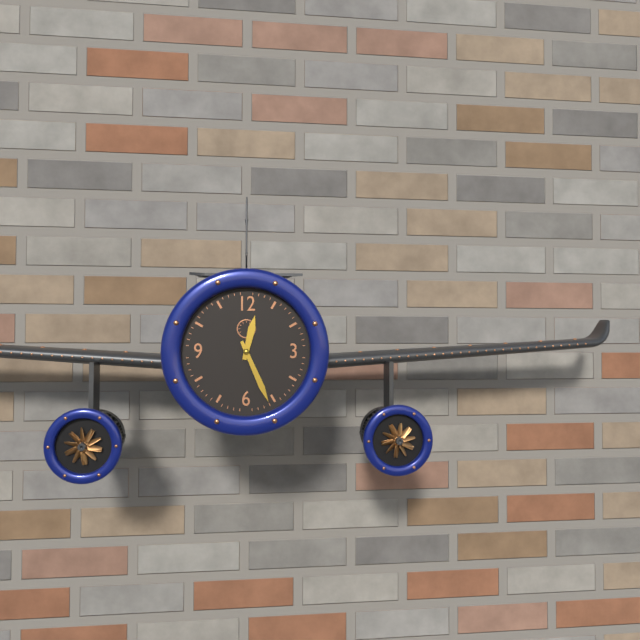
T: 12:26
